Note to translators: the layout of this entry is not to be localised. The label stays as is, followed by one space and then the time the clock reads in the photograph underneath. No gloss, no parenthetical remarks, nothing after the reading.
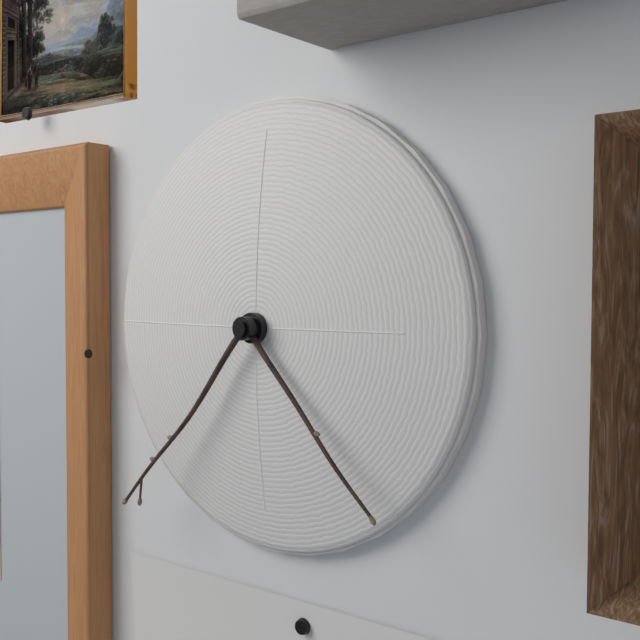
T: 4:37
